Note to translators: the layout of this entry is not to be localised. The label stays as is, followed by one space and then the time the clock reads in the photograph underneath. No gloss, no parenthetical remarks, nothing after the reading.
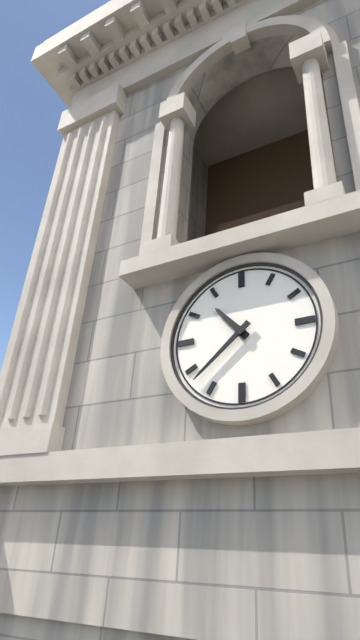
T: 10:38
